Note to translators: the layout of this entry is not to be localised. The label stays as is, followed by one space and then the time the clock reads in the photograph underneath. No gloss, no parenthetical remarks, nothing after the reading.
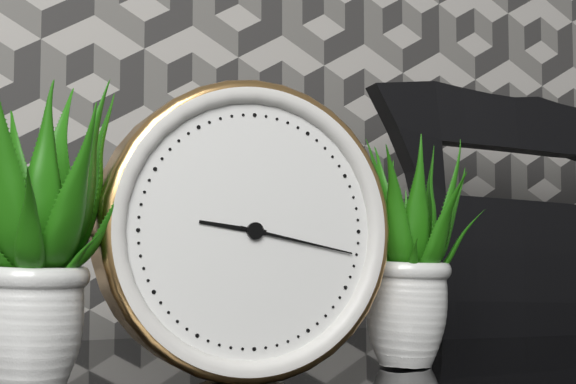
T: 9:17
